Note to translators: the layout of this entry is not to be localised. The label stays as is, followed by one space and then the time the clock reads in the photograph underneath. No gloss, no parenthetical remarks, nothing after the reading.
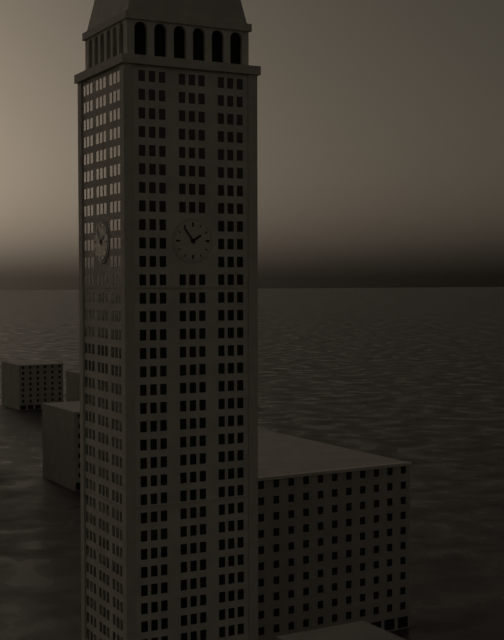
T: 1:54
